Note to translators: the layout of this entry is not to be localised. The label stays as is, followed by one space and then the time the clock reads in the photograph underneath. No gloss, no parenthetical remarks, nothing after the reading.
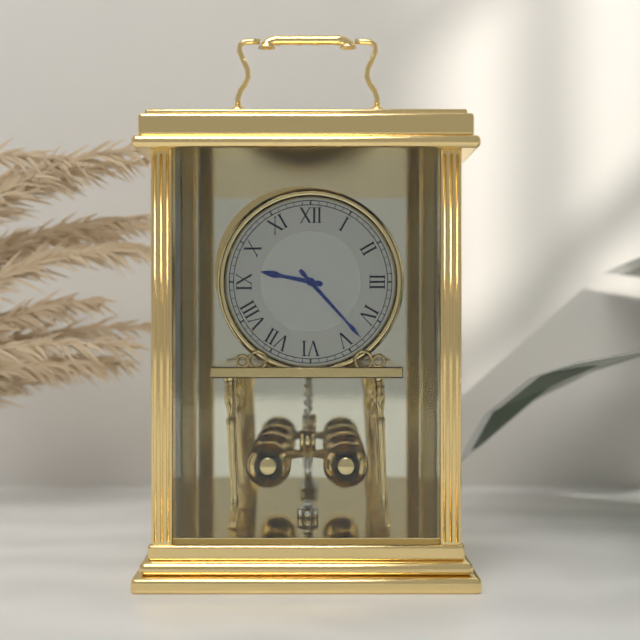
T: 9:23
